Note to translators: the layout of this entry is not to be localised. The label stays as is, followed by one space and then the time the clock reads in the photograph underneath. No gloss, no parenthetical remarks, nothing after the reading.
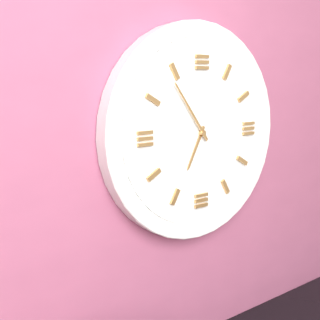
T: 6:54
